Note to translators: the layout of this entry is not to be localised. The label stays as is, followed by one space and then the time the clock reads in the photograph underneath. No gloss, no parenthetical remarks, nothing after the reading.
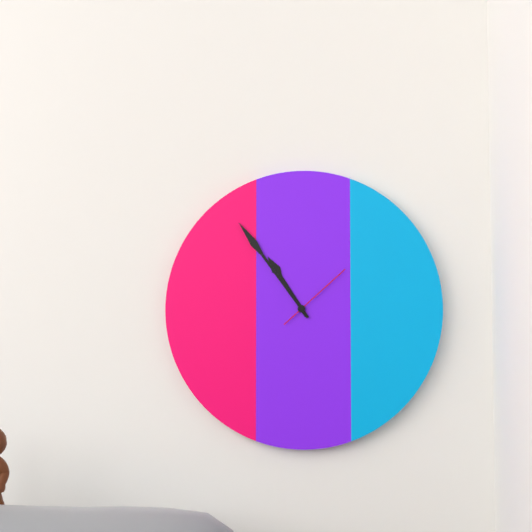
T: 10:54:08
